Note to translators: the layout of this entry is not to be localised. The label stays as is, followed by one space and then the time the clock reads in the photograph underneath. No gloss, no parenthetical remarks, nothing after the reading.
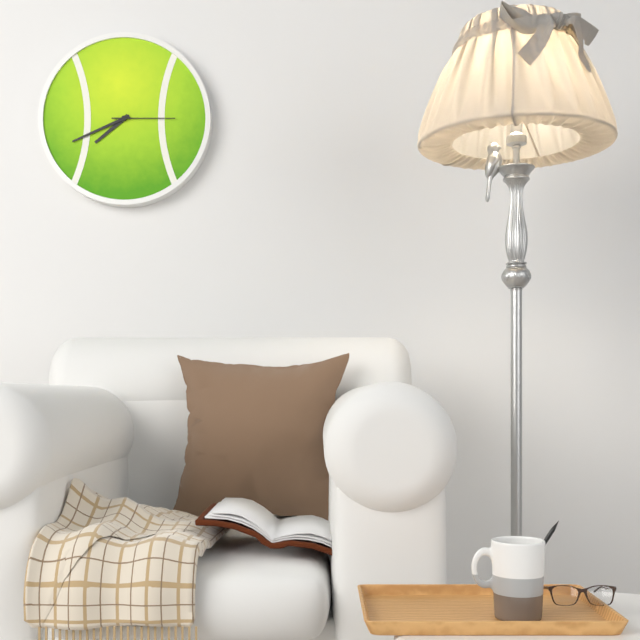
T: 7:41:15
